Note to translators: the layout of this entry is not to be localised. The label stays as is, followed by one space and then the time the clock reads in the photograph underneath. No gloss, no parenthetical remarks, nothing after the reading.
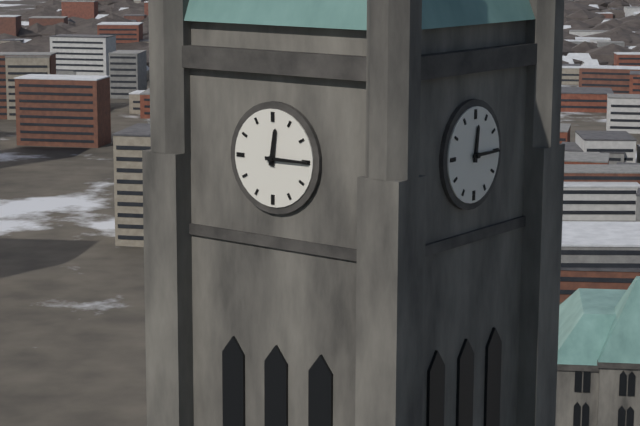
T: 12:15
